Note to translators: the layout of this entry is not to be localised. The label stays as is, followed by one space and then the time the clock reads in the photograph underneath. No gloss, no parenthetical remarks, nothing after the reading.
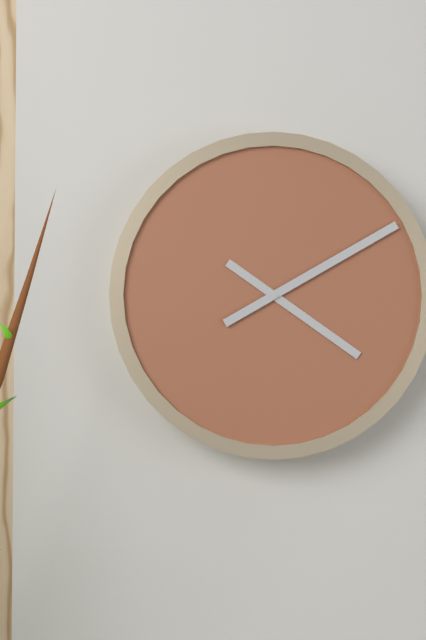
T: 4:10
